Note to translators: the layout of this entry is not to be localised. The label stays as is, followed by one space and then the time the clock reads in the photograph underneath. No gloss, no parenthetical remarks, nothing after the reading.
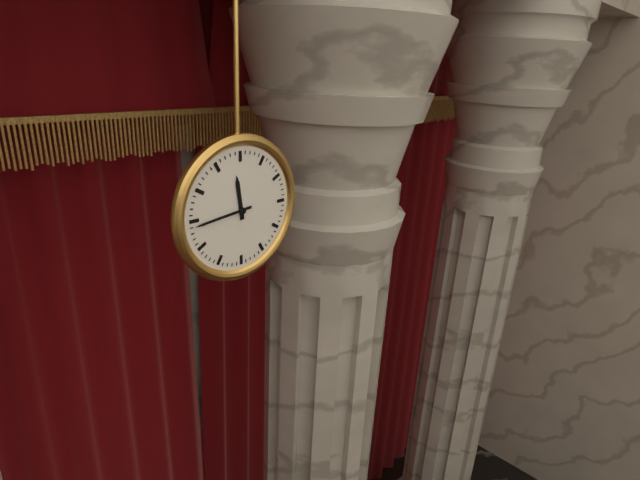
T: 11:44
